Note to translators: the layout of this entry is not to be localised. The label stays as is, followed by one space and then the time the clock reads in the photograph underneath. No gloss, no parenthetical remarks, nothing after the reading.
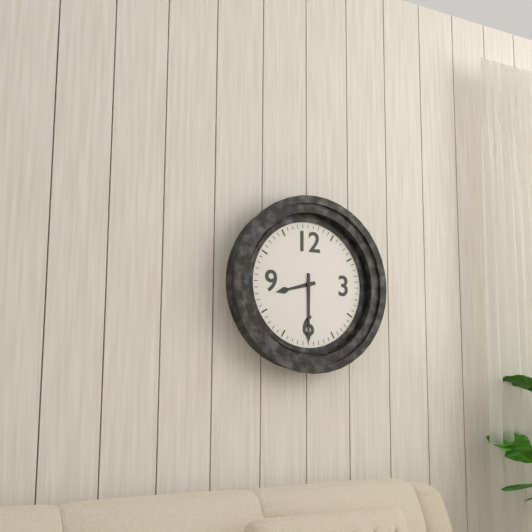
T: 8:30
